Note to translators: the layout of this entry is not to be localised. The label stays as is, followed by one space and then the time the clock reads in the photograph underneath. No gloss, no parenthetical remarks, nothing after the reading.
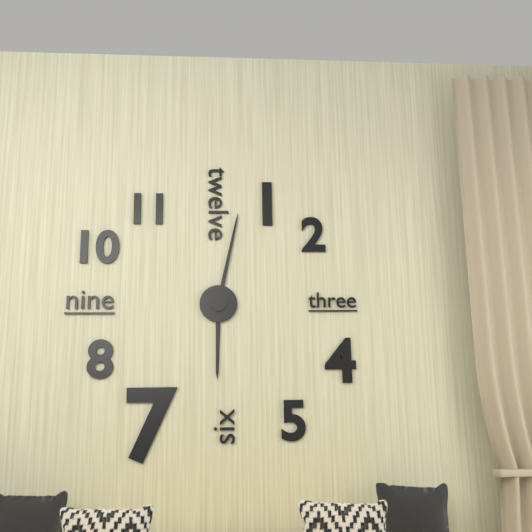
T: 6:02
